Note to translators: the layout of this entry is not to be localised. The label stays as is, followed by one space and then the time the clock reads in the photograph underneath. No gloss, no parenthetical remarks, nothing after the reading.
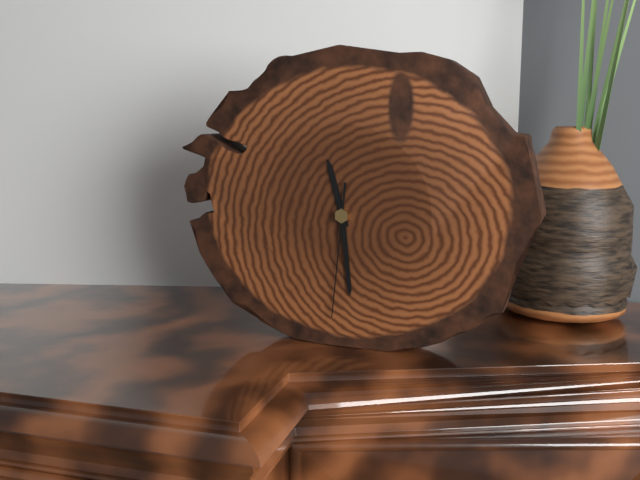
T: 11:29:31
